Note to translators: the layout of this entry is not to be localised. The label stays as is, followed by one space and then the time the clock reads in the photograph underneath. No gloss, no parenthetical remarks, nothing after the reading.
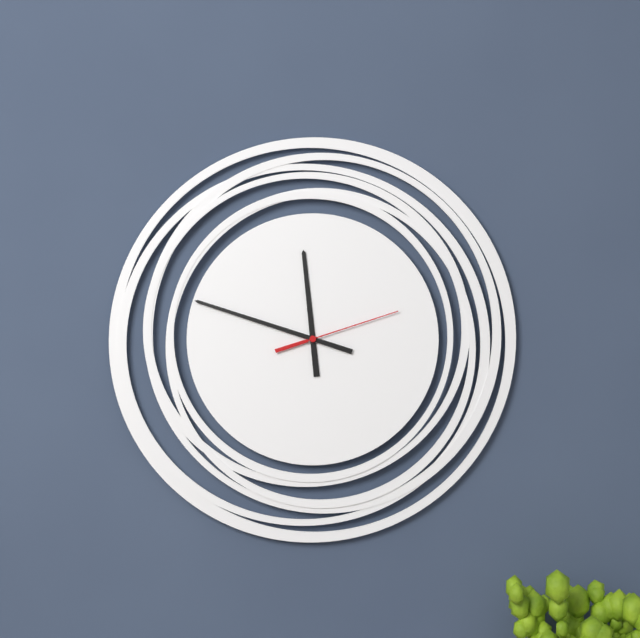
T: 11:48:12
